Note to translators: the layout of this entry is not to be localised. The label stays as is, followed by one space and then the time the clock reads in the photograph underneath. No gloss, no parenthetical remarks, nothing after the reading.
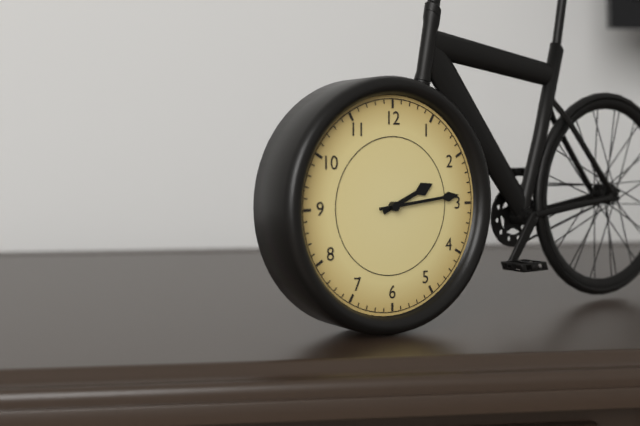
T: 2:14
